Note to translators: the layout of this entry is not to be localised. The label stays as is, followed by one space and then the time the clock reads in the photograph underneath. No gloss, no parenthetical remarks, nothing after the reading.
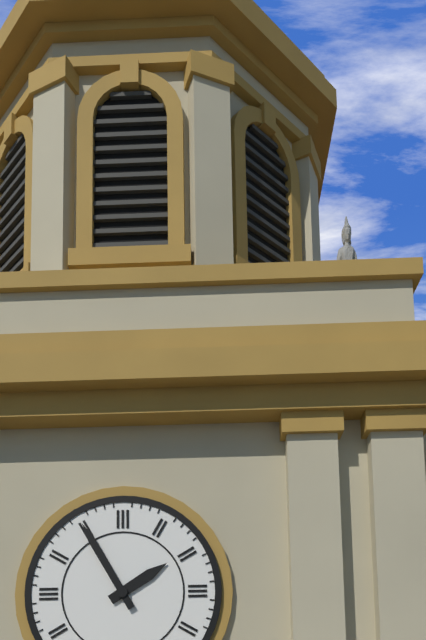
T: 1:55
